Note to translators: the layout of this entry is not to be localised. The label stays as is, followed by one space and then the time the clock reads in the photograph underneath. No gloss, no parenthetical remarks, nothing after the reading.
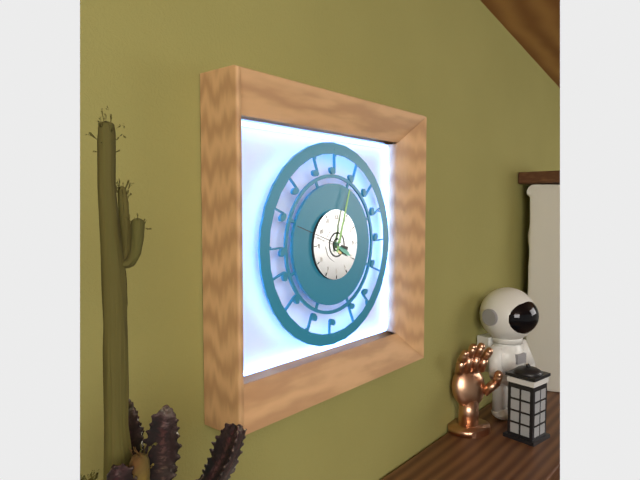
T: 4:03:48
